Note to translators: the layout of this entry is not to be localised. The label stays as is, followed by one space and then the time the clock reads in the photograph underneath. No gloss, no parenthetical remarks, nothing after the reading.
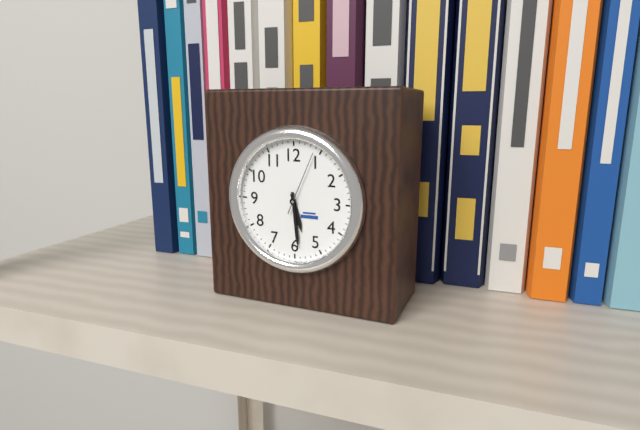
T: 5:29:04
